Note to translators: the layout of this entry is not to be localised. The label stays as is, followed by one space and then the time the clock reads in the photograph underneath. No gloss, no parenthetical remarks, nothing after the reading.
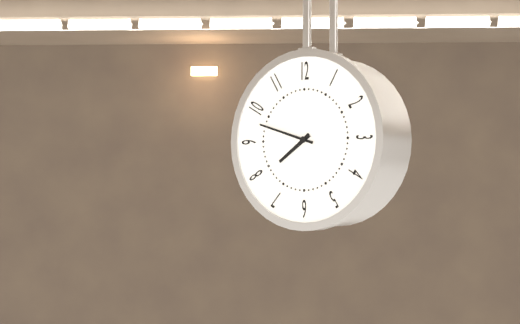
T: 7:48
